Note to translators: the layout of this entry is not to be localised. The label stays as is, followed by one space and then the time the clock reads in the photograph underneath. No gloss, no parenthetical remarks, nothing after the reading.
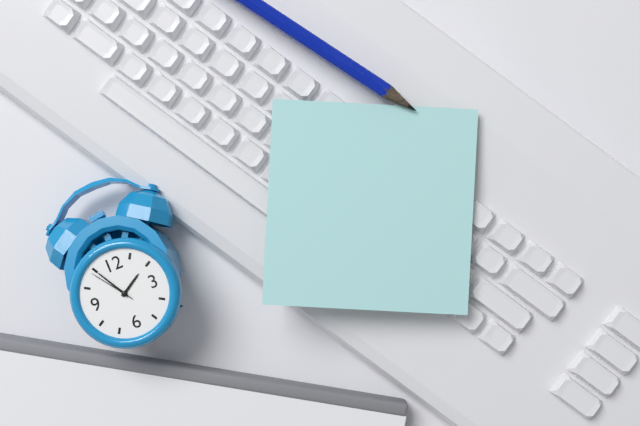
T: 1:55:54
